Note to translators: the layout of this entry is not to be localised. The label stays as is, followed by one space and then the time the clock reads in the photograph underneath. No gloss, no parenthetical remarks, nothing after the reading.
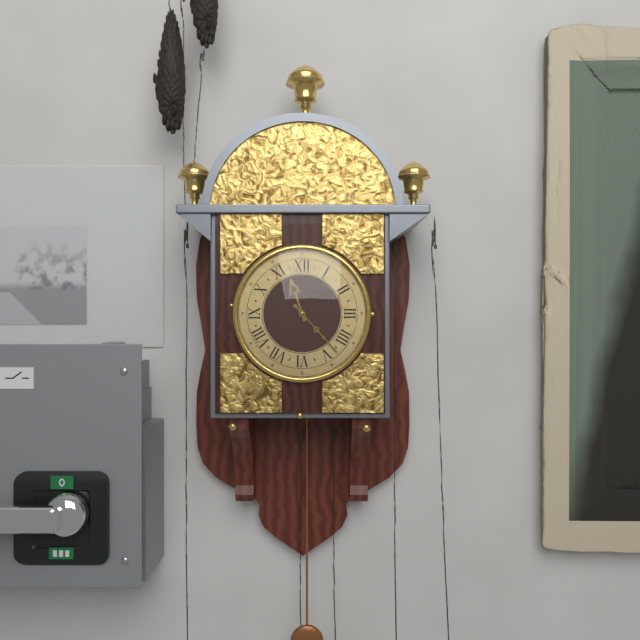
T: 11:23
